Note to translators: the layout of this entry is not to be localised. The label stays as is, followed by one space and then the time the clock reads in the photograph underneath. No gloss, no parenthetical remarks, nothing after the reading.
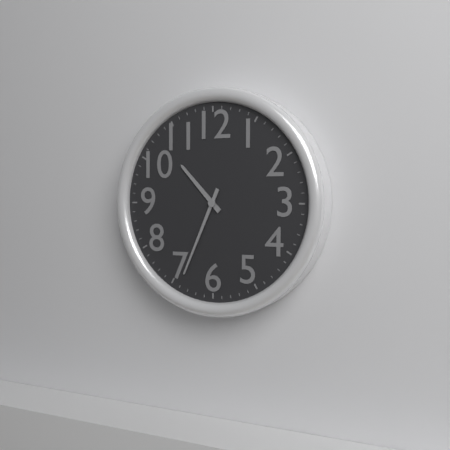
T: 10:34
